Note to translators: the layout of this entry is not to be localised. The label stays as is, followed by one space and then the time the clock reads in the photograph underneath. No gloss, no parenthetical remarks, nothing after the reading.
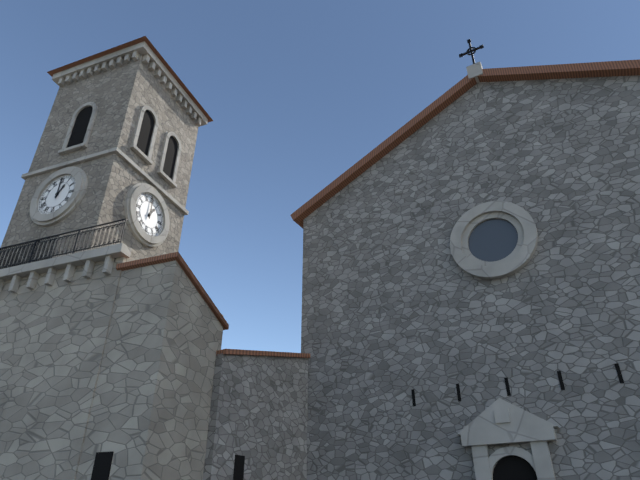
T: 1:00
